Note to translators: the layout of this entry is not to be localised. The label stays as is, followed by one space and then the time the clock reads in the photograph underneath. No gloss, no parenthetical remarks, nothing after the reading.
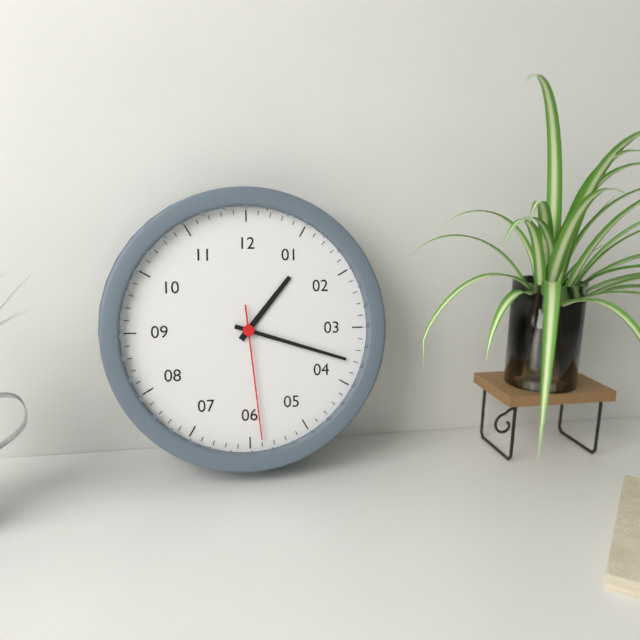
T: 1:18:29
